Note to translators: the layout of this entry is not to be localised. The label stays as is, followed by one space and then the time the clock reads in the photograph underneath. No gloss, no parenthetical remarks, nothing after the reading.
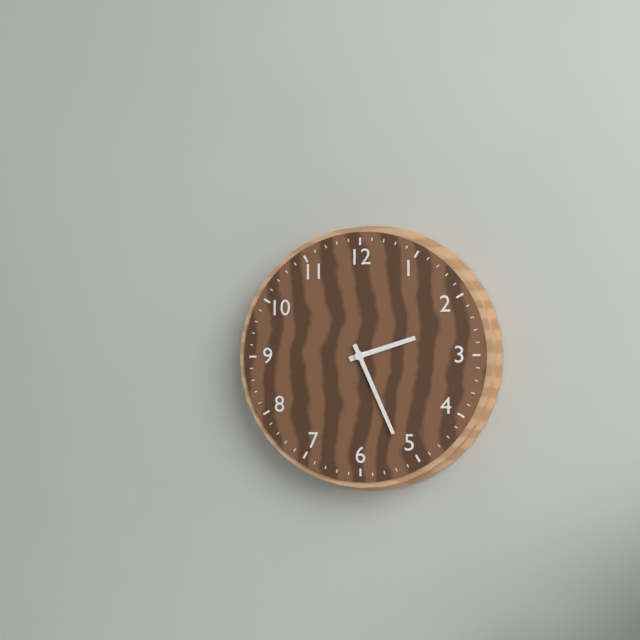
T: 2:26
